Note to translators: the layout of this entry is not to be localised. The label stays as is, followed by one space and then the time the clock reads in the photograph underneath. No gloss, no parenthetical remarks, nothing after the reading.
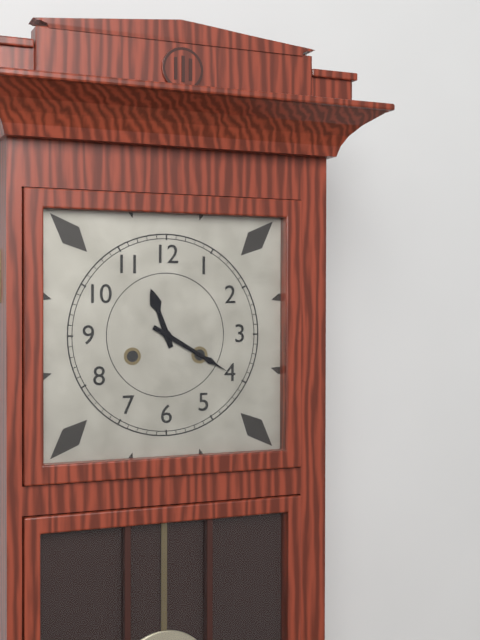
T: 11:20
